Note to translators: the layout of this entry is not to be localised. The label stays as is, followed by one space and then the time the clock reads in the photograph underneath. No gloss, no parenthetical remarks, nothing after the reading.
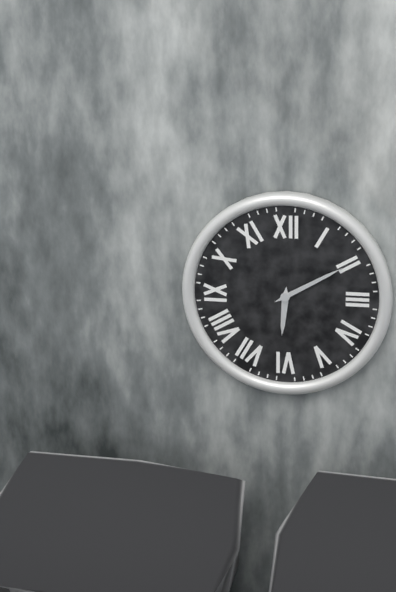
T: 6:10
